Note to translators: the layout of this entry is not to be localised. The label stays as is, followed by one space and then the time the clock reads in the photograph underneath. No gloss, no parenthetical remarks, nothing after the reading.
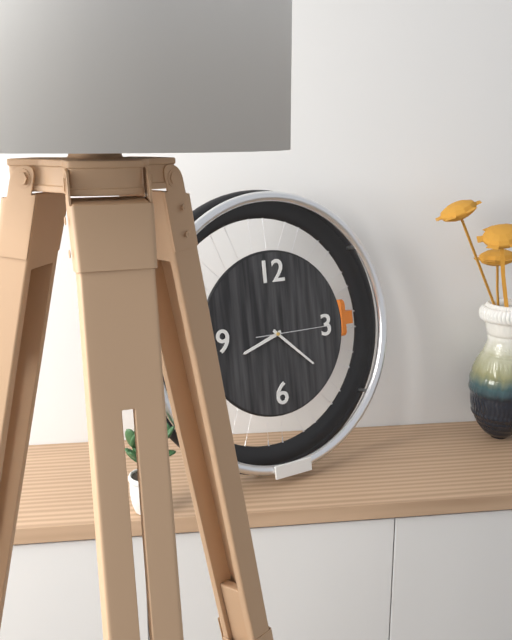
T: 8:22:15
